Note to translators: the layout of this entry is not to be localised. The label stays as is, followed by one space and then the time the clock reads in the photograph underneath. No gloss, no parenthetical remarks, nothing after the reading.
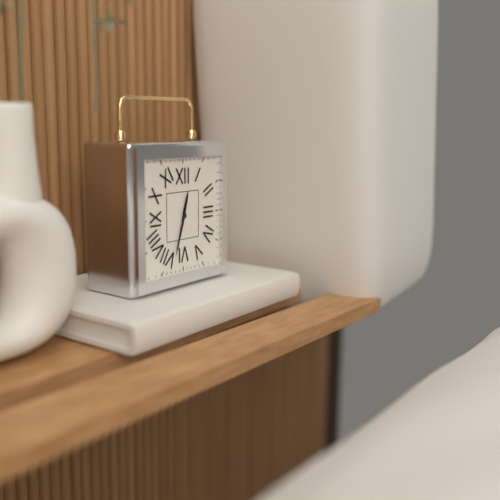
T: 12:33
